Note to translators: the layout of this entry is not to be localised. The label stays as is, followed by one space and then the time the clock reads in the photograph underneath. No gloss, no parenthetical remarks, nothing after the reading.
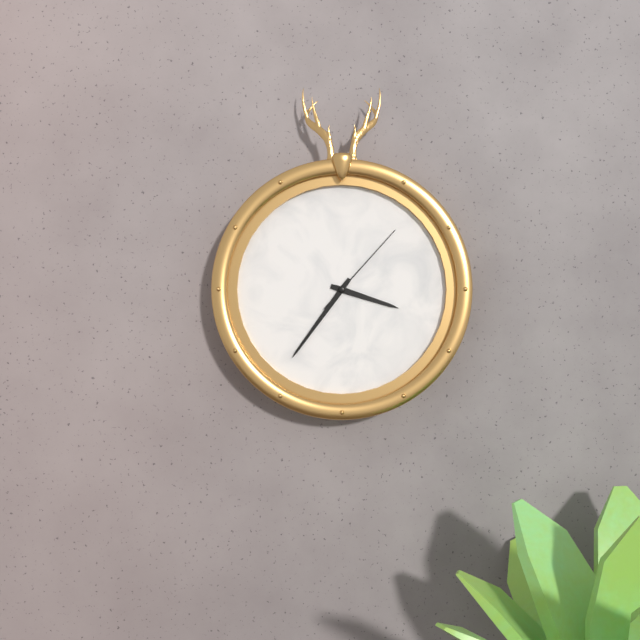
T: 3:36:07
